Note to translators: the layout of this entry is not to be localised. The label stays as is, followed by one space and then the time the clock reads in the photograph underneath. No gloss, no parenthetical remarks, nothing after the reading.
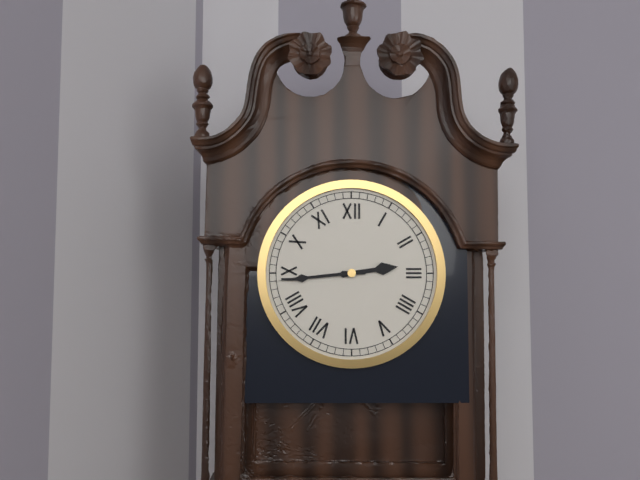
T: 2:44
